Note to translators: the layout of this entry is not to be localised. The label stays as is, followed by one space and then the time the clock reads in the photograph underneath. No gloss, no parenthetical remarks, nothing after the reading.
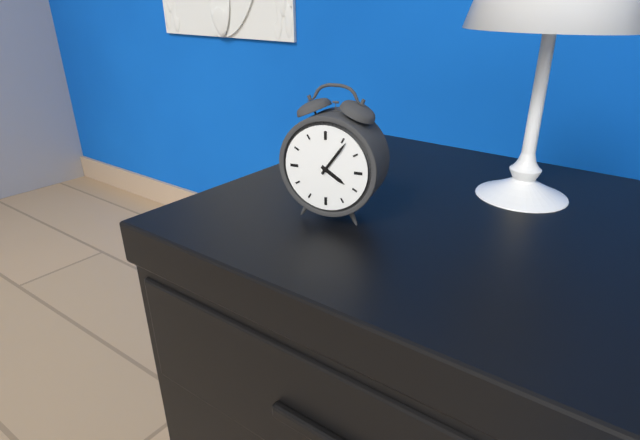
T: 4:06
